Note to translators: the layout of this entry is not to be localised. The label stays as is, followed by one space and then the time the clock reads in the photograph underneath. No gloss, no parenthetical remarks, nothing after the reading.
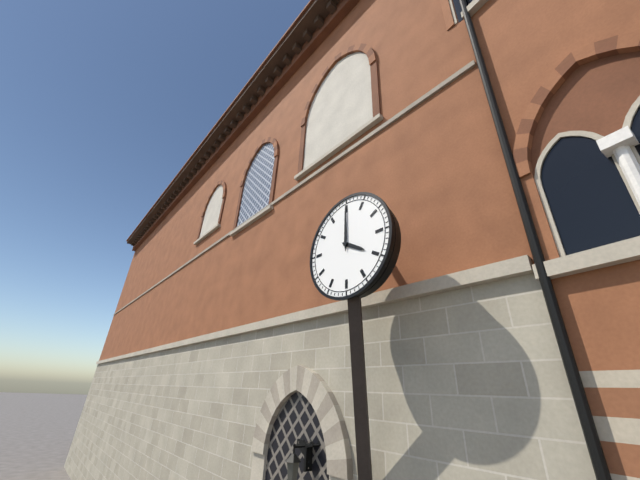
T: 4:00
